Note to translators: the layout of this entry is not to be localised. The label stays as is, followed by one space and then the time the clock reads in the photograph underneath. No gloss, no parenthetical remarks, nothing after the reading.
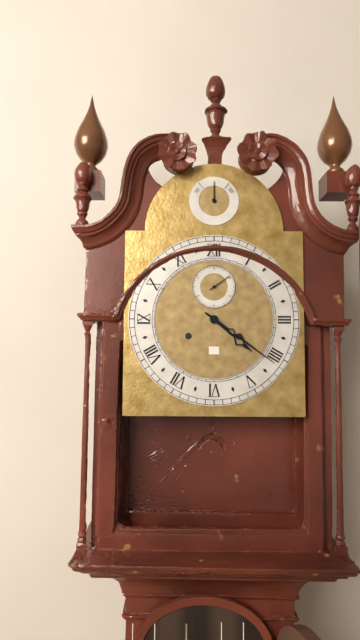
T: 4:21
